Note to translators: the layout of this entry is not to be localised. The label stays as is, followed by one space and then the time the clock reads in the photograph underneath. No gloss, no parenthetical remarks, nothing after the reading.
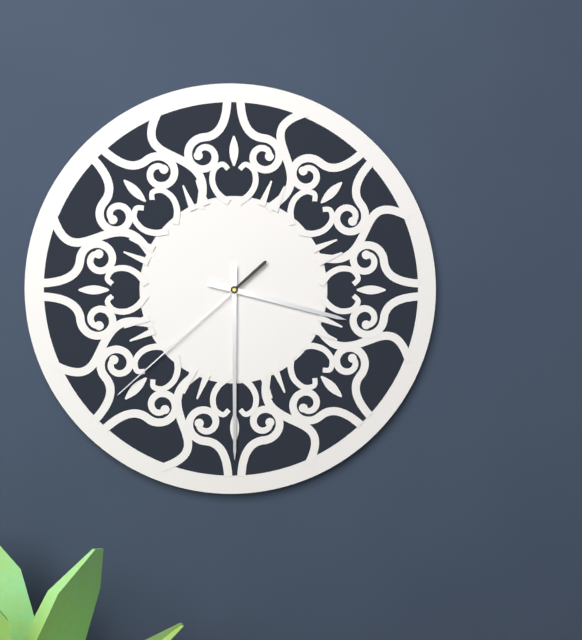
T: 3:30:38
